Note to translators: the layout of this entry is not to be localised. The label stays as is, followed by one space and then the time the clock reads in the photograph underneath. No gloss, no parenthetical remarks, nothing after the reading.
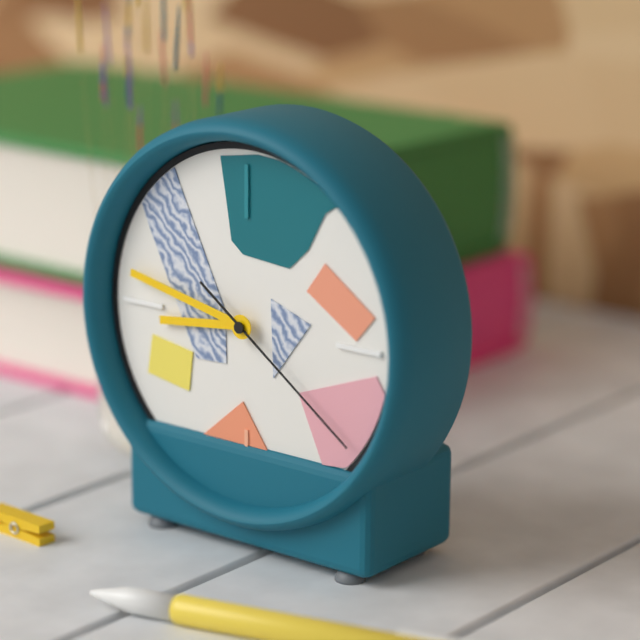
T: 8:47:21
